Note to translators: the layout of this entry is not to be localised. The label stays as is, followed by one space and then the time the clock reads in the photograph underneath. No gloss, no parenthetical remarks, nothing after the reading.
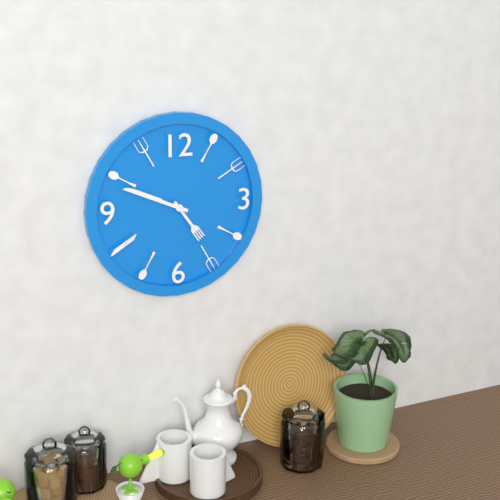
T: 4:49
